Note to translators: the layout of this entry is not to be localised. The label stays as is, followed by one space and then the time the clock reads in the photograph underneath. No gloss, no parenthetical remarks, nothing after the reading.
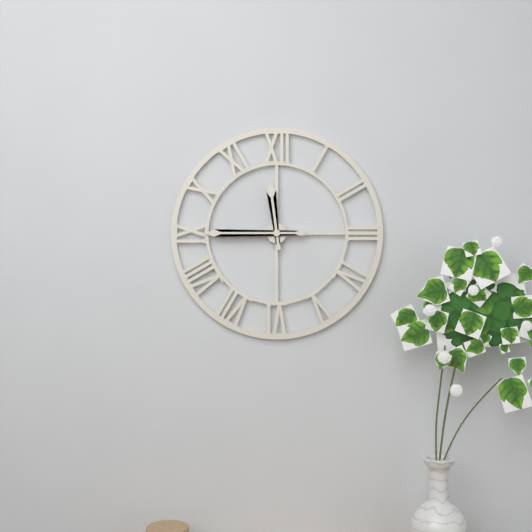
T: 11:45
